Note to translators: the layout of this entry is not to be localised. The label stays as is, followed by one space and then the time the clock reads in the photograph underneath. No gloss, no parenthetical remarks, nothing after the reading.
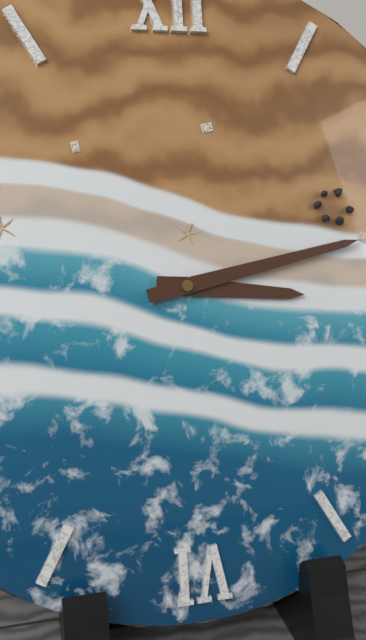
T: 3:13
